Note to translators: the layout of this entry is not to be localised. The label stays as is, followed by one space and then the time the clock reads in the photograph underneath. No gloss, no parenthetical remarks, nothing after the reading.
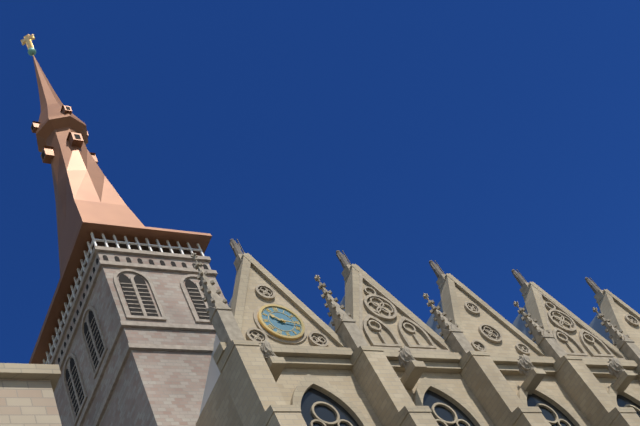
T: 10:17
